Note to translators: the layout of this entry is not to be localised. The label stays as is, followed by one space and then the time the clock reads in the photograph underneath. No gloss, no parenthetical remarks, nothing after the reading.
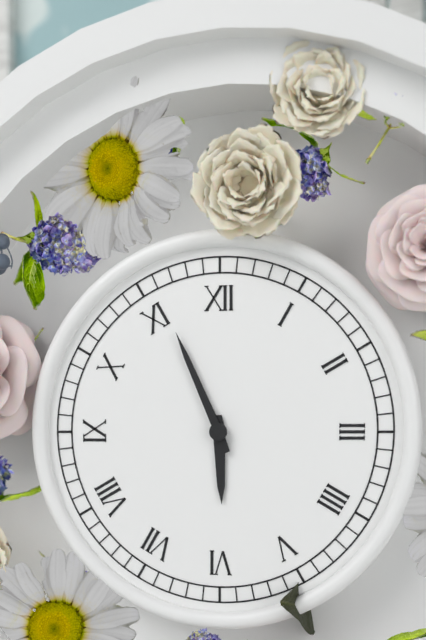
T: 5:56
